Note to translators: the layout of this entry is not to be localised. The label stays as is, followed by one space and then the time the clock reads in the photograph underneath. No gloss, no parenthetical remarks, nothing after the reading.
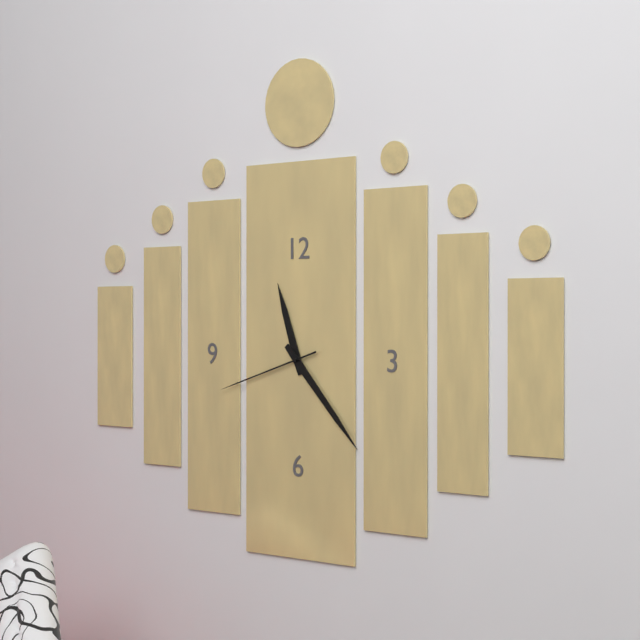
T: 11:23:42
